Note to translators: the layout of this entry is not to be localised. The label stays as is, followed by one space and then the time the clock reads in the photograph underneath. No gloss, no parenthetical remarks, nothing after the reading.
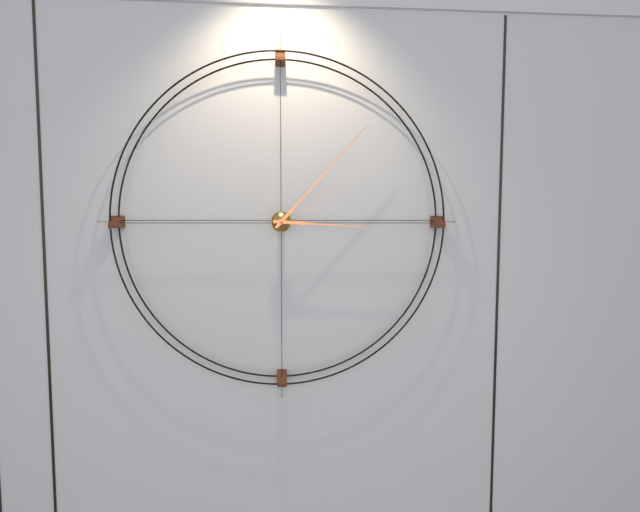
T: 3:07
